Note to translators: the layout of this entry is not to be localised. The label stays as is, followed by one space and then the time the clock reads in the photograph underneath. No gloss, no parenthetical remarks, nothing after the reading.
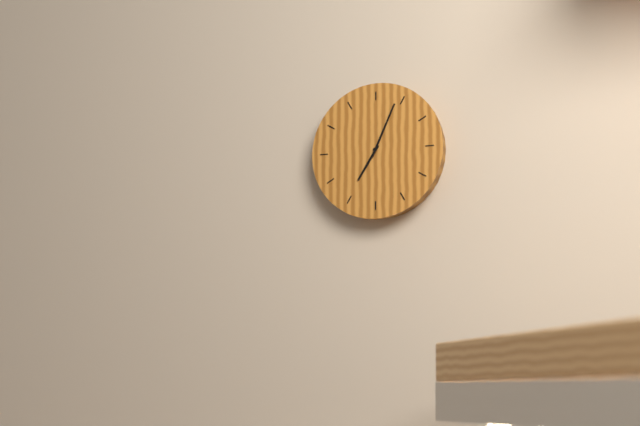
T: 7:04
